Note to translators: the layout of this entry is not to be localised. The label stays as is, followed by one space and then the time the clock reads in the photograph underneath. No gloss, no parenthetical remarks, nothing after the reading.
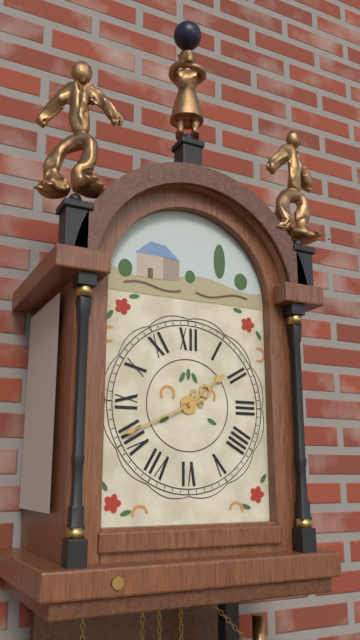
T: 1:41
